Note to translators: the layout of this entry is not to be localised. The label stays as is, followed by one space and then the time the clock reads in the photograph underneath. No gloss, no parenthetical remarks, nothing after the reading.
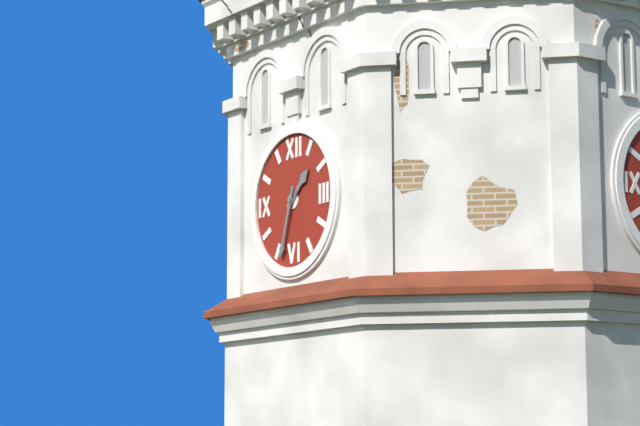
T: 1:33
